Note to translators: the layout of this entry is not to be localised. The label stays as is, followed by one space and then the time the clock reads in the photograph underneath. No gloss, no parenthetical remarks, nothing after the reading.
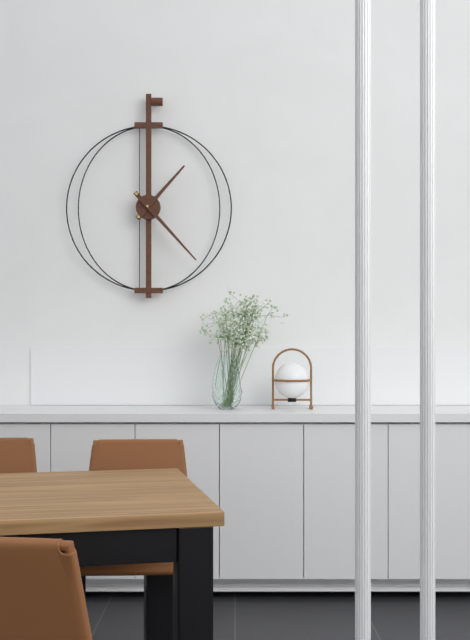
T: 1:23
